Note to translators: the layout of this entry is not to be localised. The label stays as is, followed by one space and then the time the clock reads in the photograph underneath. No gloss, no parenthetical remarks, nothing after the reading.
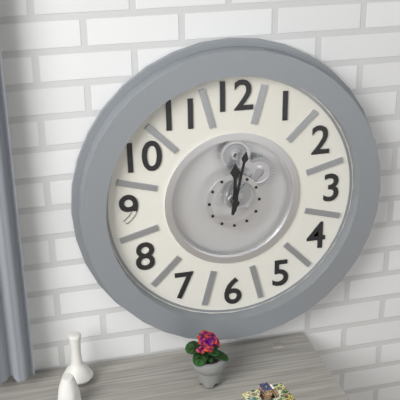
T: 12:02
